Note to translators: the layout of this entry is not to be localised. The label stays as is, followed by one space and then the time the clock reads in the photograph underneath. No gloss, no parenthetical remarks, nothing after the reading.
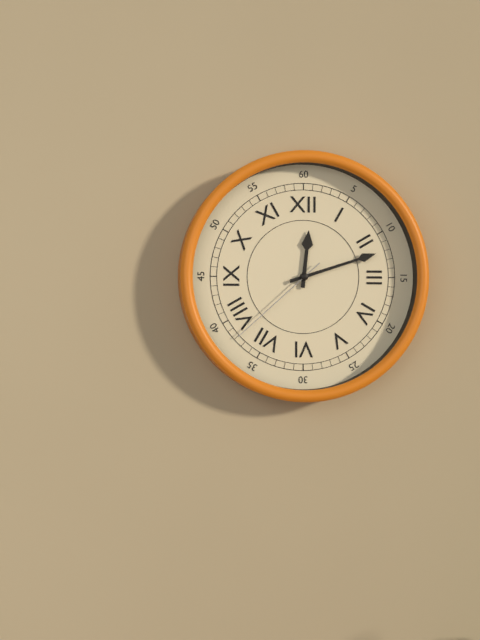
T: 12:12:38
